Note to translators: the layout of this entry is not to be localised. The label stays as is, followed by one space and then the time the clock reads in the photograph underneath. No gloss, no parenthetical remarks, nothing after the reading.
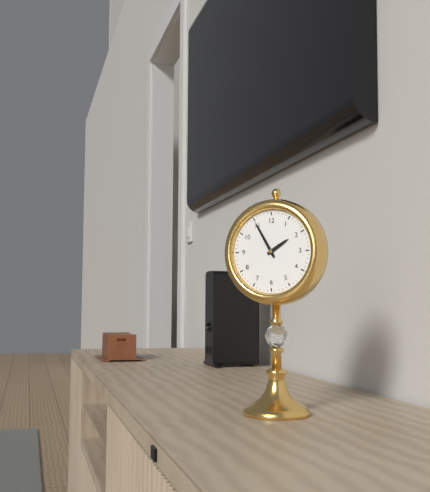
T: 1:55
